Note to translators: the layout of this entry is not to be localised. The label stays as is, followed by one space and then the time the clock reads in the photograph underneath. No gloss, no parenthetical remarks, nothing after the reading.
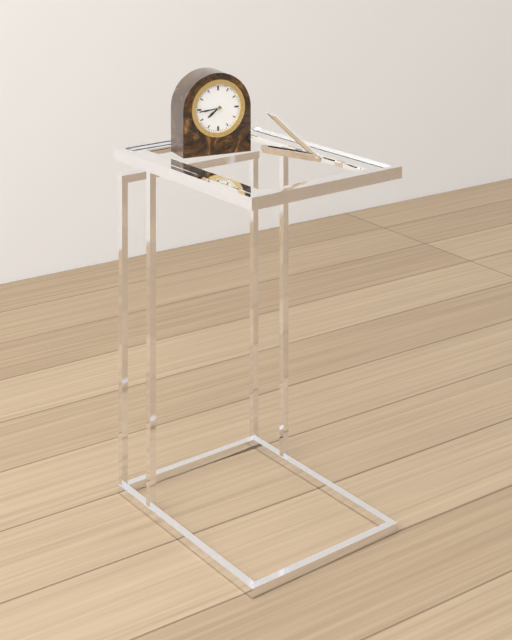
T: 7:44
